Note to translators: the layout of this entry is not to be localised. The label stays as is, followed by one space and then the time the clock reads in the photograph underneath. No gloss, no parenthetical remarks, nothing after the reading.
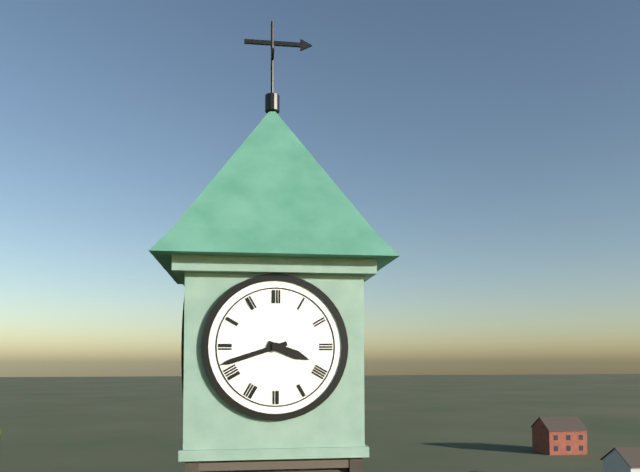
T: 3:42
